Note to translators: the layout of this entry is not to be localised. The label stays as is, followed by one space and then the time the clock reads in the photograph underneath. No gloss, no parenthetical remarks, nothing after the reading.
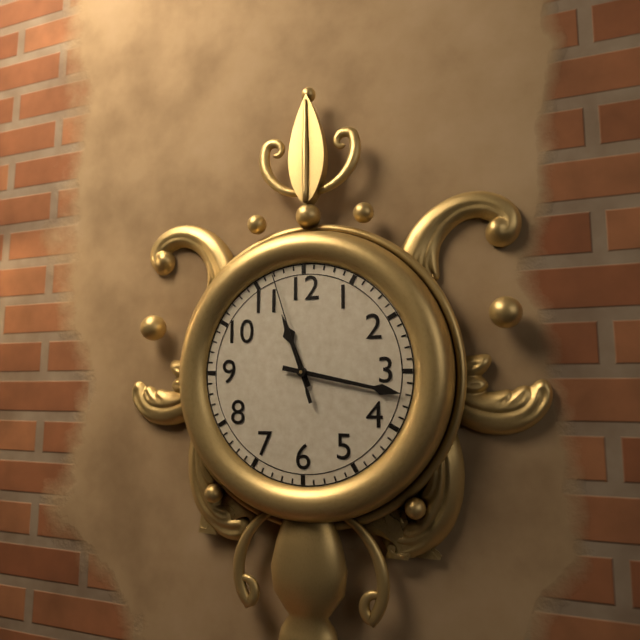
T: 11:17:57
